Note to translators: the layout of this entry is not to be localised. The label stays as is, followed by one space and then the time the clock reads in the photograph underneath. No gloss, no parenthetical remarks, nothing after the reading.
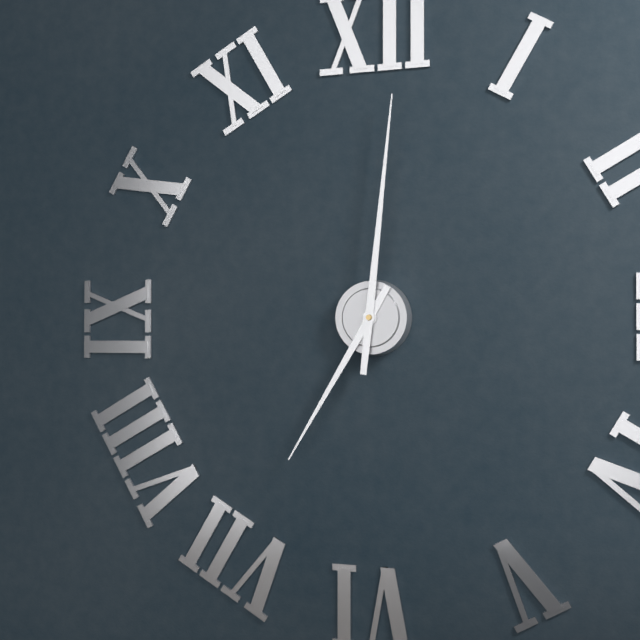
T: 7:01
